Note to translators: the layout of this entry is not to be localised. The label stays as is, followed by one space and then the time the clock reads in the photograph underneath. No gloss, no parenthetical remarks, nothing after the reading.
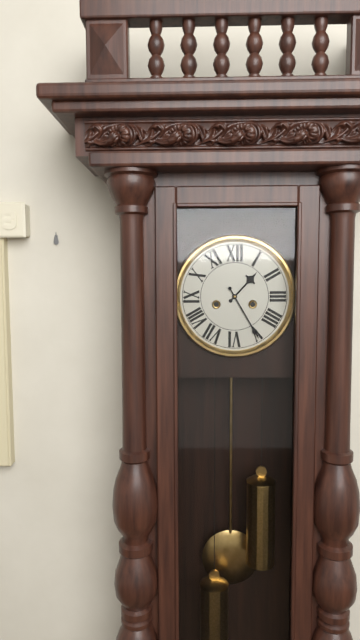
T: 1:25
